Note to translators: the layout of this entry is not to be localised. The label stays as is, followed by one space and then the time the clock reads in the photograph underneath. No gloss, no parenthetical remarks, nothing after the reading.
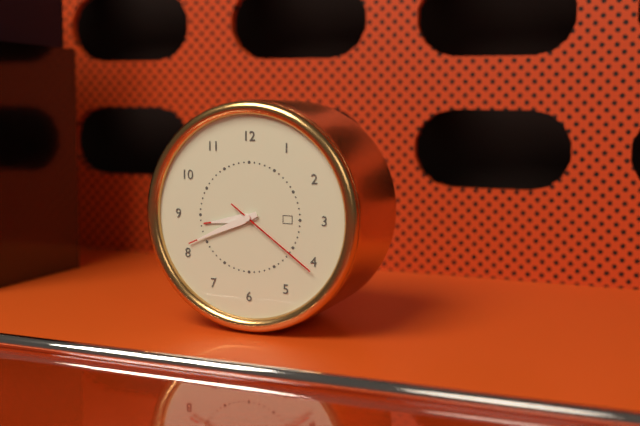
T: 8:41:21
